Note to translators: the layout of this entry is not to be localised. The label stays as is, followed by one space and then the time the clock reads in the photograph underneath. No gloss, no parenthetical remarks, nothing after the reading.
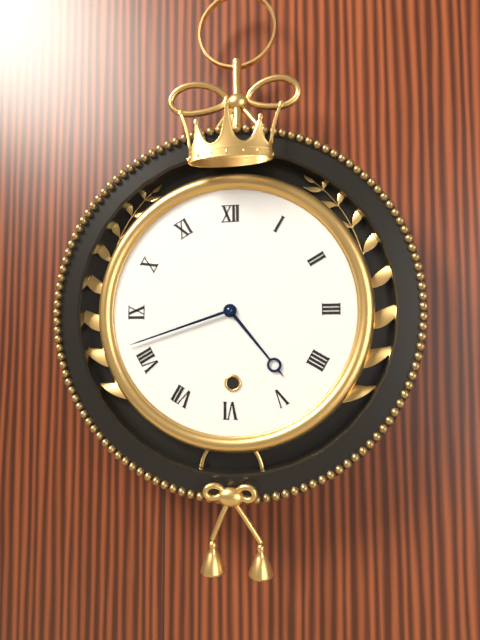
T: 4:42
